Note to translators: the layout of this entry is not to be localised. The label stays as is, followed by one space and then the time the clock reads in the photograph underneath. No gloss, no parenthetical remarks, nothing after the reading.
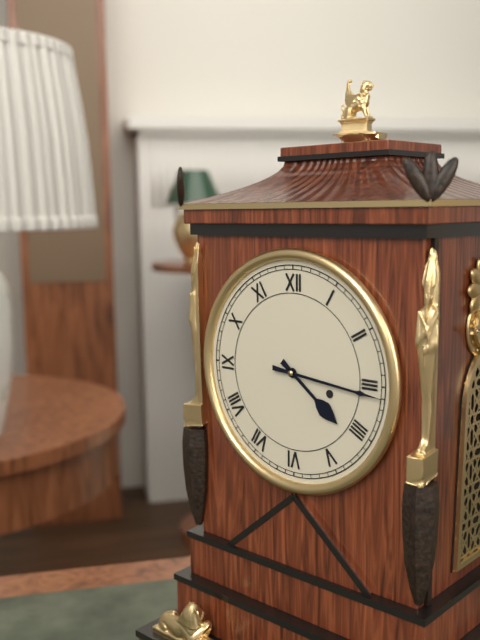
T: 4:16
